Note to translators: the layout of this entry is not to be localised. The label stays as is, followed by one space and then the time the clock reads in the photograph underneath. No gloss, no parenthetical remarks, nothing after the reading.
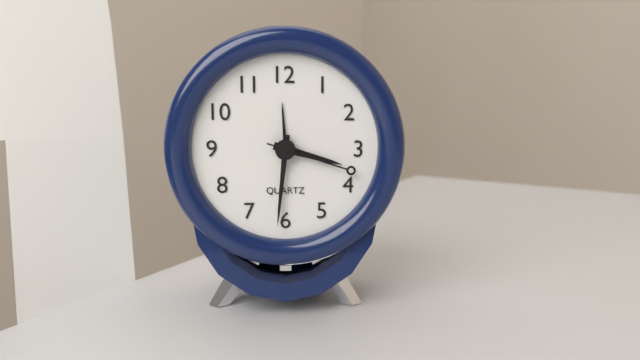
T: 3:31:18
